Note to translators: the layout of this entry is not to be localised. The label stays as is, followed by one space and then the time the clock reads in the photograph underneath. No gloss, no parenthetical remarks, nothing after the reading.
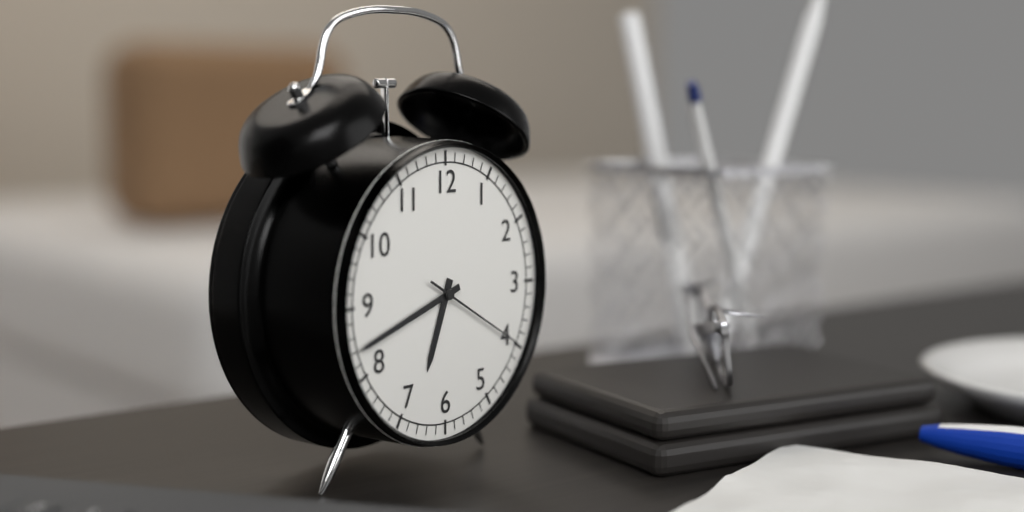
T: 6:42:20
